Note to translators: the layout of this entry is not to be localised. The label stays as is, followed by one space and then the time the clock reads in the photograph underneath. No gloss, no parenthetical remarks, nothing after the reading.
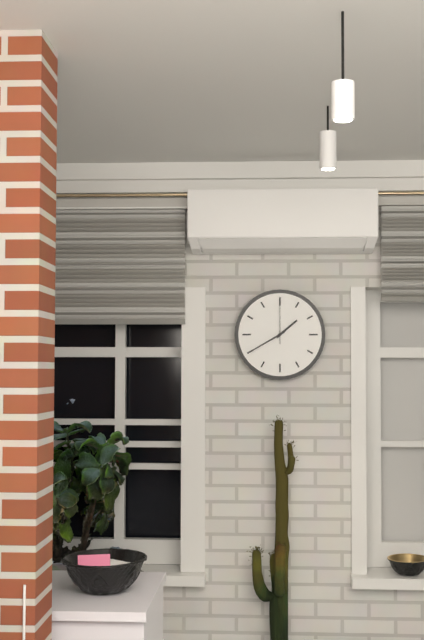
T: 1:40
